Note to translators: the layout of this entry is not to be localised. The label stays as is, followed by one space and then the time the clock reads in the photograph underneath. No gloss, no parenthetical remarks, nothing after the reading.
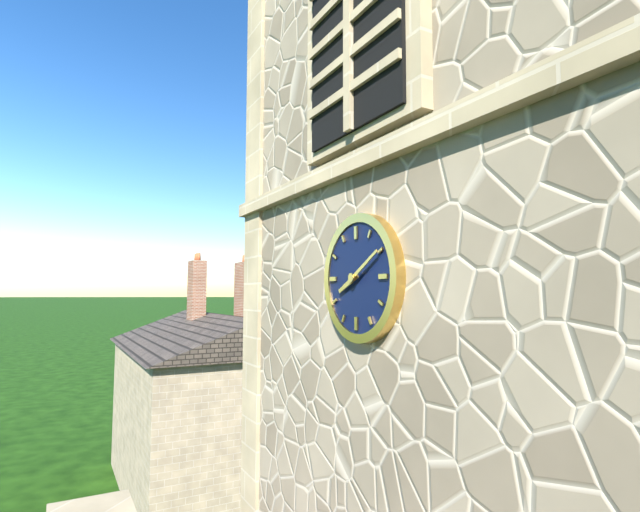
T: 8:10
